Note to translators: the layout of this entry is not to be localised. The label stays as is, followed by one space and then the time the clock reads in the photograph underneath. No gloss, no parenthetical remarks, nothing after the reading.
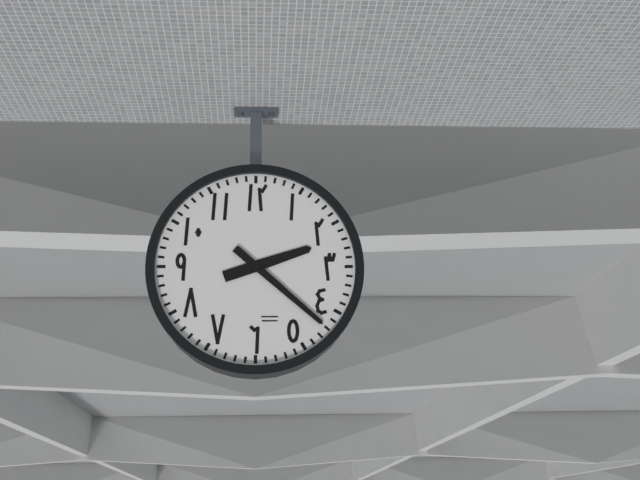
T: 2:22
